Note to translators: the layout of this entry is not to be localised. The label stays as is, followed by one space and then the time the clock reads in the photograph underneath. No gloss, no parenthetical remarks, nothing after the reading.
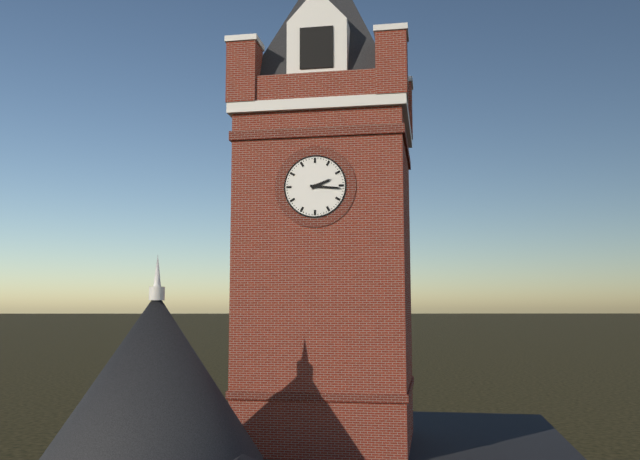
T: 2:16
